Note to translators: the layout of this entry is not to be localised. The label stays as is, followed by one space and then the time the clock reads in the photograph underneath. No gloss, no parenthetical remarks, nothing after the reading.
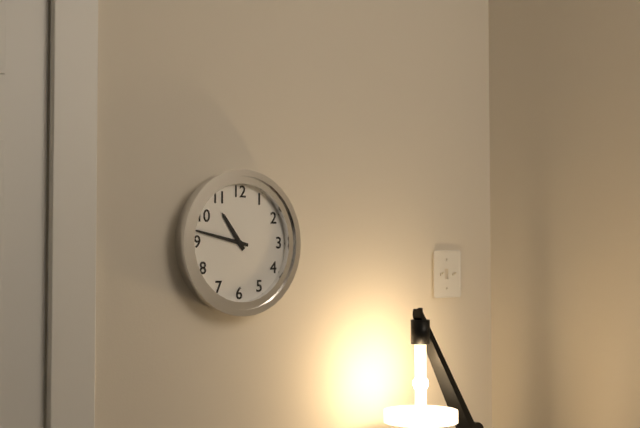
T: 10:47
